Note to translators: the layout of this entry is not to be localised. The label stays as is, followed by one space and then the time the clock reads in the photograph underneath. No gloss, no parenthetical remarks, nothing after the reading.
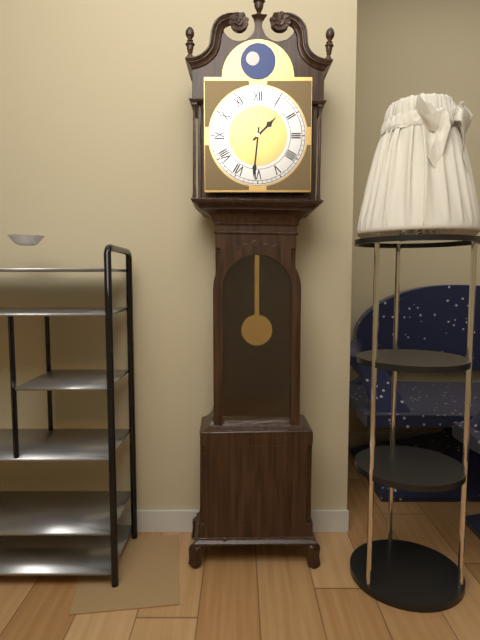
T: 1:31
